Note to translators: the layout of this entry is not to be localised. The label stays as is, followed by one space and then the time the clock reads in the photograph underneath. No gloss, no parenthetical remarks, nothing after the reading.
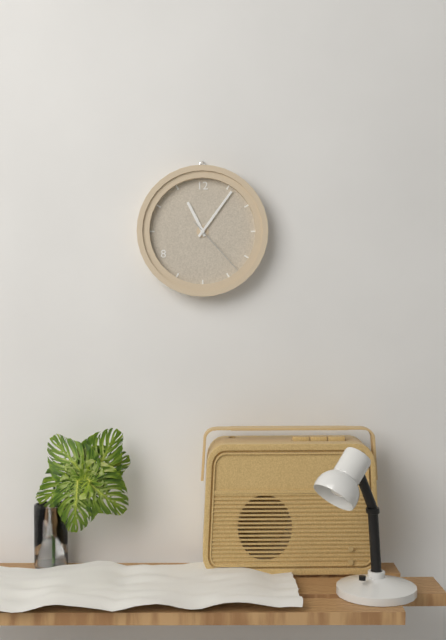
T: 11:06:23
